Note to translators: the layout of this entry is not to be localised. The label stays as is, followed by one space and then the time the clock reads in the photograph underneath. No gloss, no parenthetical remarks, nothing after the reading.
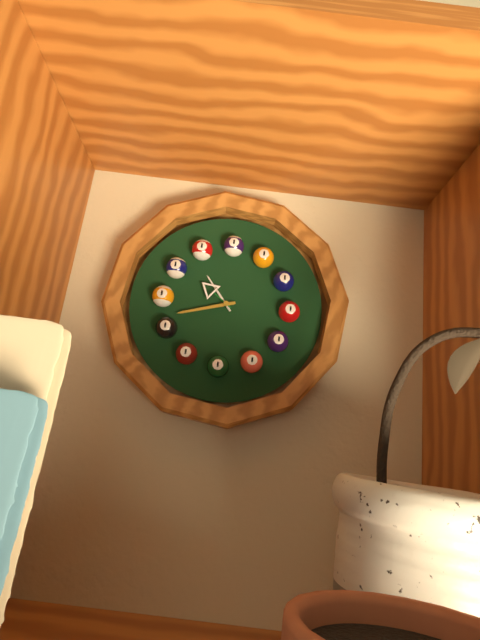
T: 10:42
